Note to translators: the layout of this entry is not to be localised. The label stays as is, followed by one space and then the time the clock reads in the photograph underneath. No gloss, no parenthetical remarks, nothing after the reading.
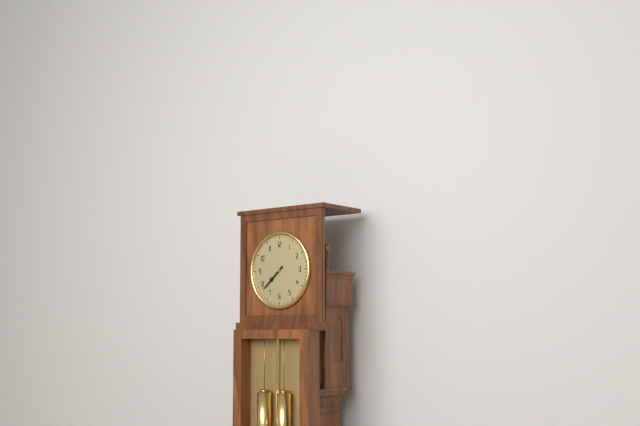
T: 7:38
